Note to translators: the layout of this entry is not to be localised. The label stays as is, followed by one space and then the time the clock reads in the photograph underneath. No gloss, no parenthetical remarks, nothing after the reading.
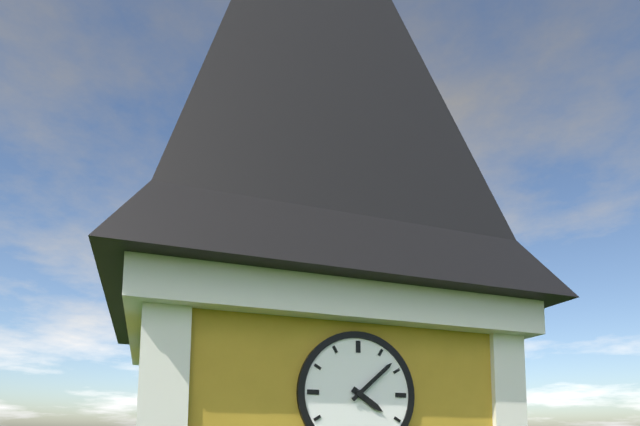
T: 4:08
